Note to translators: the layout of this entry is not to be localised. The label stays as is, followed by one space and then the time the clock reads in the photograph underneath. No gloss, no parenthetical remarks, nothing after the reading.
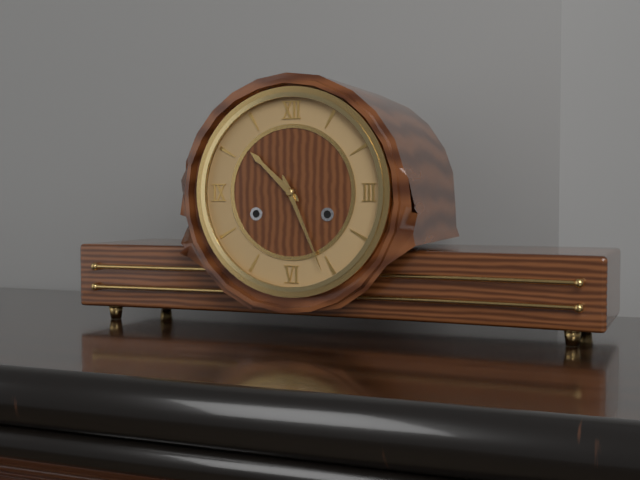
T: 10:26
